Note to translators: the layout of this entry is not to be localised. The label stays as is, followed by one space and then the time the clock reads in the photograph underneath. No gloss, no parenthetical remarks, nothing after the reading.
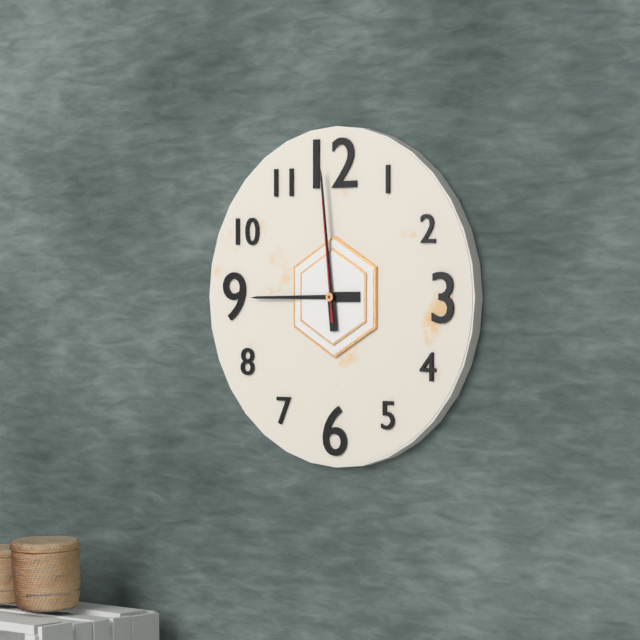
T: 8:59:59
